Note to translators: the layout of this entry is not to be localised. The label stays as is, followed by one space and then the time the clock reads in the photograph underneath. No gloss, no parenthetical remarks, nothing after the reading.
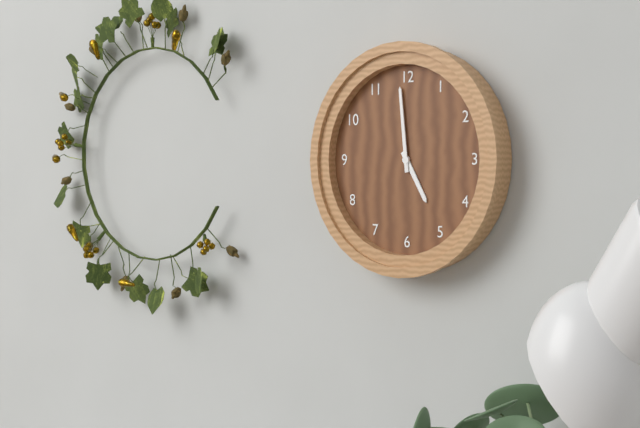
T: 4:59
